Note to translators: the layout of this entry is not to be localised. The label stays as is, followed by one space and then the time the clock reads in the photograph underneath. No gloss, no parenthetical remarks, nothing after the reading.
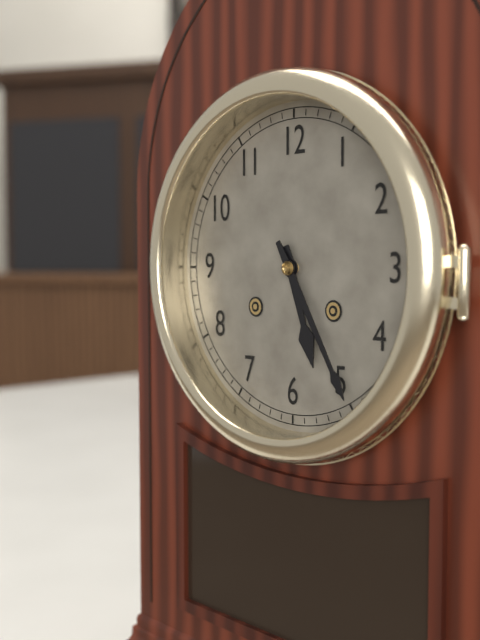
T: 5:25
